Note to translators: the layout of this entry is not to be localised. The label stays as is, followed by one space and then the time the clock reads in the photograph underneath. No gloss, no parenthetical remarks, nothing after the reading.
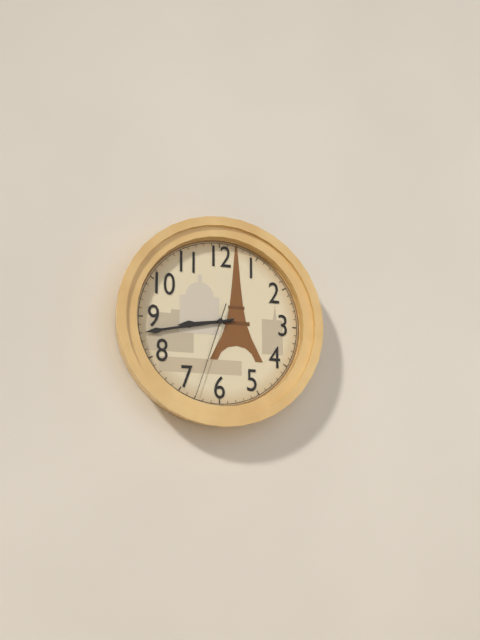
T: 8:43:33
